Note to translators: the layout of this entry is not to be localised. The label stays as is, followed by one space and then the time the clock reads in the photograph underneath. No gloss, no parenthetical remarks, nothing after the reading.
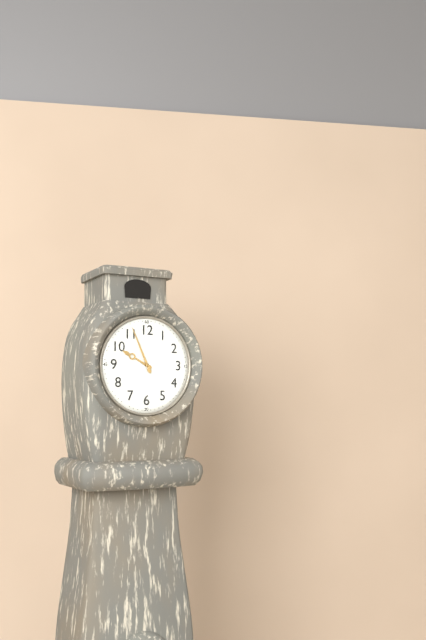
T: 9:56
